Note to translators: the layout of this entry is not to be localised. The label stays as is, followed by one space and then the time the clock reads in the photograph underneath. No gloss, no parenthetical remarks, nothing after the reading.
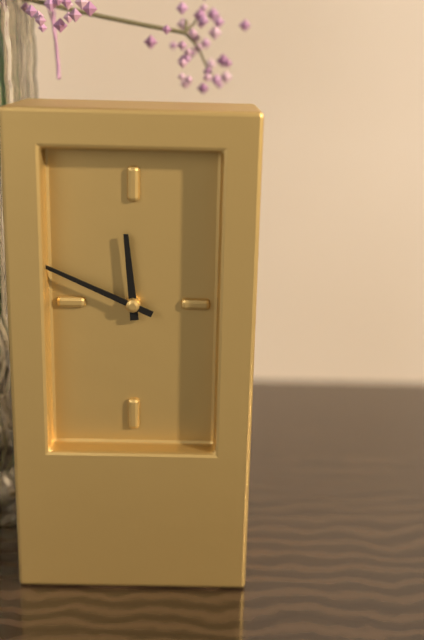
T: 11:49
